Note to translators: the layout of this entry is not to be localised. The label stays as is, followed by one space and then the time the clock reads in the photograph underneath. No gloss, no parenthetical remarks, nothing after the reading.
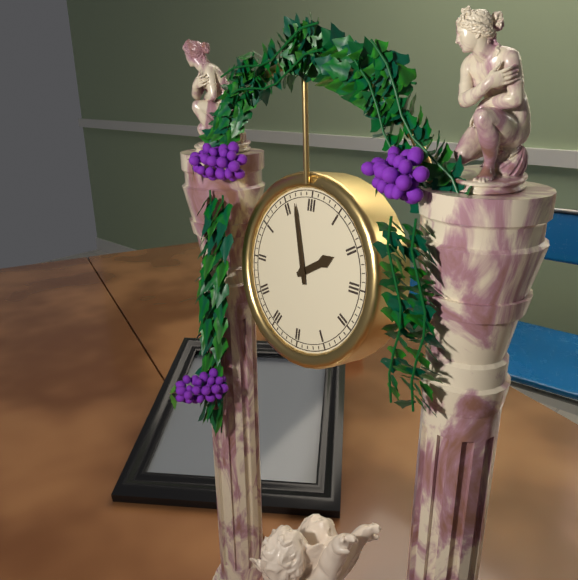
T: 1:57
